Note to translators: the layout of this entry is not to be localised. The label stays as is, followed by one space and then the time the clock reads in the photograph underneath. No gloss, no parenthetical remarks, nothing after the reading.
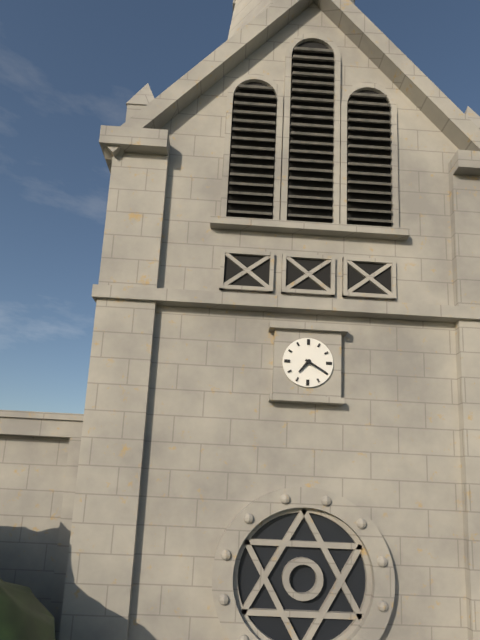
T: 7:20
